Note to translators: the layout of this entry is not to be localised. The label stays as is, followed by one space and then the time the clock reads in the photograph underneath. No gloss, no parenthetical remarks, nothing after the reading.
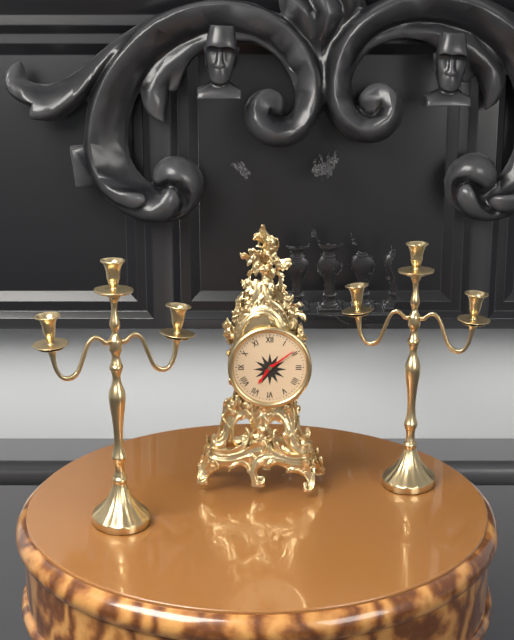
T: 7:09
